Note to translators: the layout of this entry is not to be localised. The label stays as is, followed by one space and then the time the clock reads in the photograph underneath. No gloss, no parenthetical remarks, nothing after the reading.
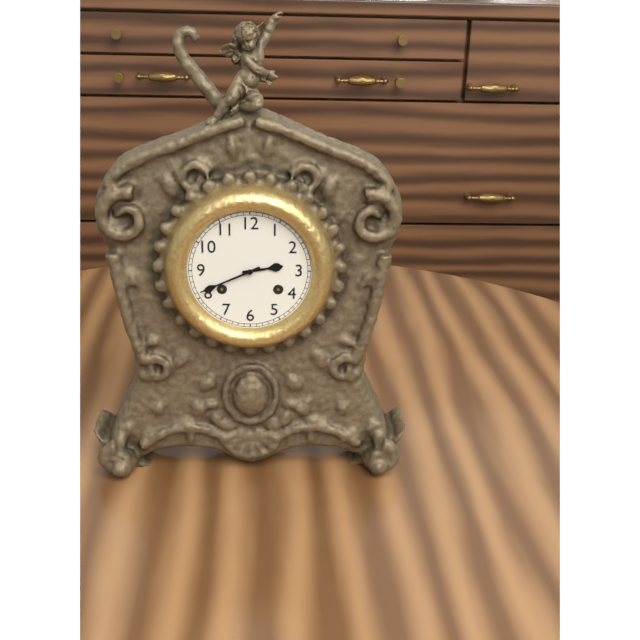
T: 2:41
